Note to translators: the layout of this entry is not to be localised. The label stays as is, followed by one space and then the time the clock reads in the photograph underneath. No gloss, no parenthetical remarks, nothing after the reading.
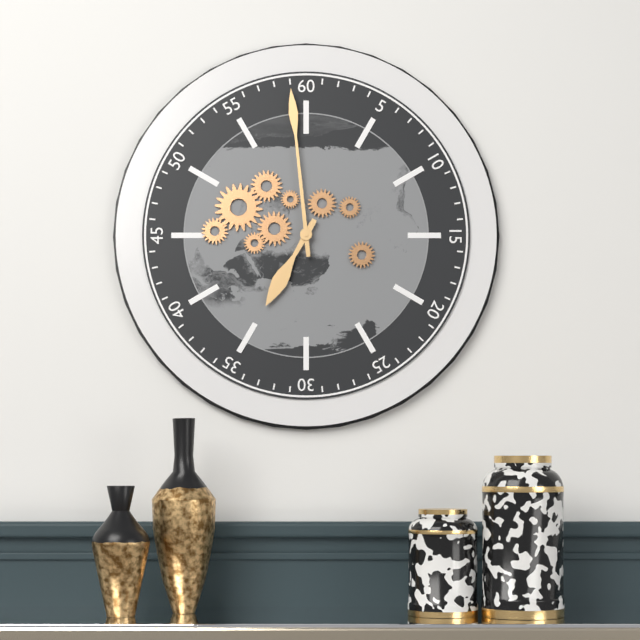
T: 6:59
